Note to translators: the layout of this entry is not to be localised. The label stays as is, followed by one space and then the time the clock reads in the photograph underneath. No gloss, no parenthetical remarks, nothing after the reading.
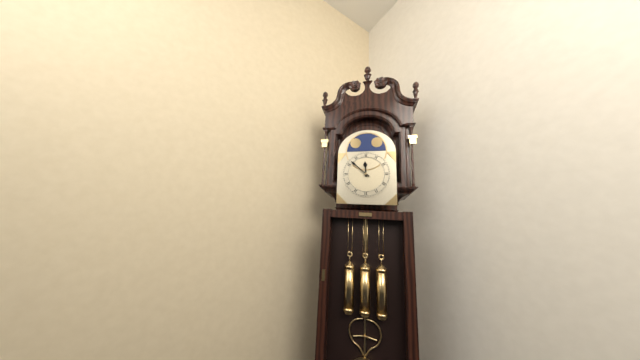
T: 11:52
